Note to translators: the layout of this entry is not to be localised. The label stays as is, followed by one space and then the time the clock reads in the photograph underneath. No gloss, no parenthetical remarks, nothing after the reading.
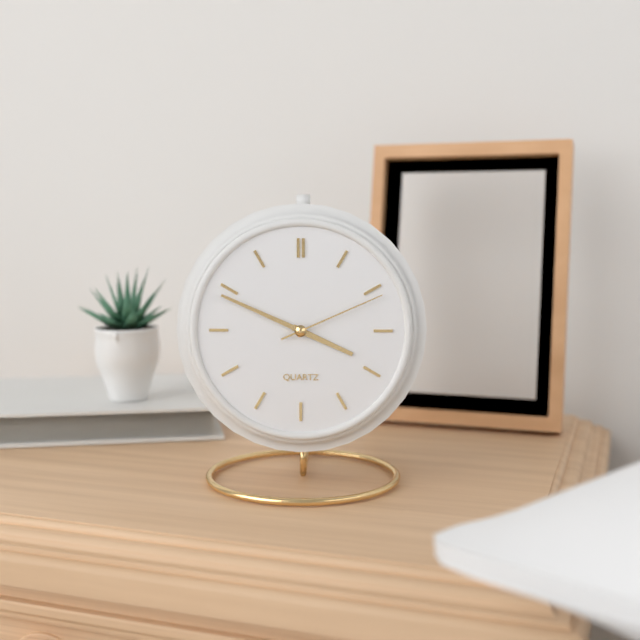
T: 3:49:11
